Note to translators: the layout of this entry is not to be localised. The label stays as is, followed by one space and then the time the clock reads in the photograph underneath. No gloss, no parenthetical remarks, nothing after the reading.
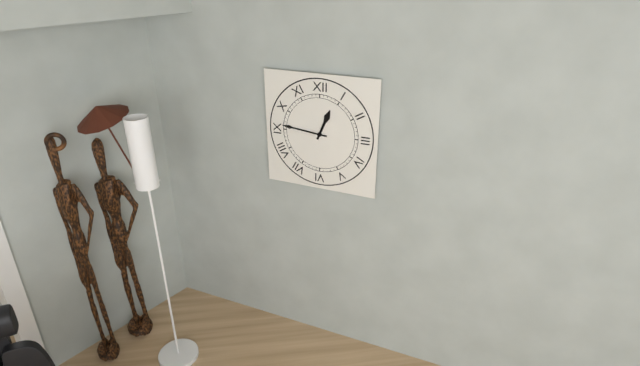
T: 12:46
